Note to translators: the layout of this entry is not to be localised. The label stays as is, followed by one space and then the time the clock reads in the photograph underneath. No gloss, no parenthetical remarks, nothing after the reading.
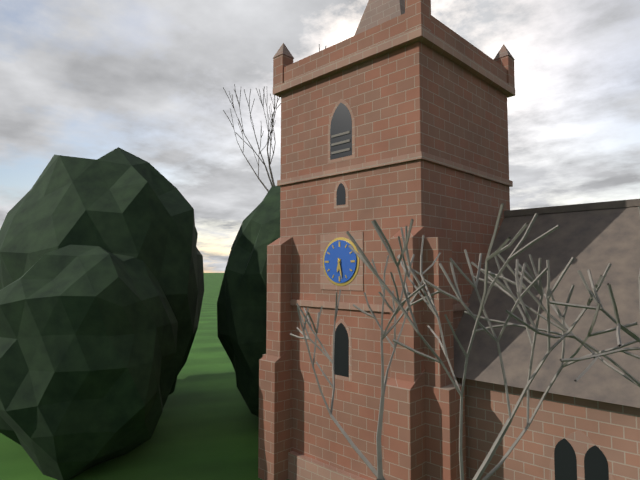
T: 6:28
